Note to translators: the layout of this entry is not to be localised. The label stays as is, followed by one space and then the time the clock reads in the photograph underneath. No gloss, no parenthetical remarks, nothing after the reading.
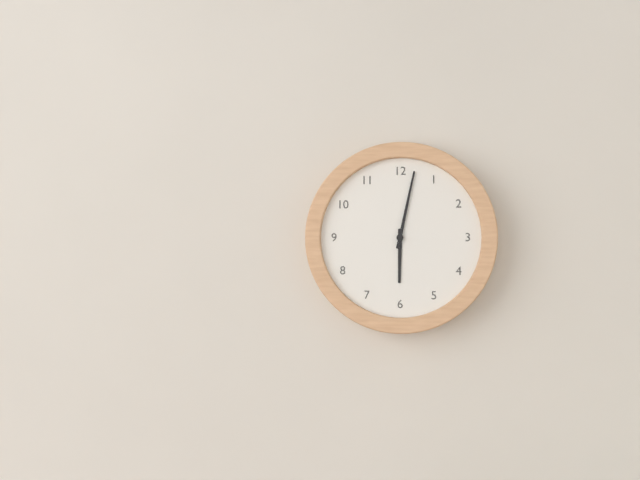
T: 6:02
